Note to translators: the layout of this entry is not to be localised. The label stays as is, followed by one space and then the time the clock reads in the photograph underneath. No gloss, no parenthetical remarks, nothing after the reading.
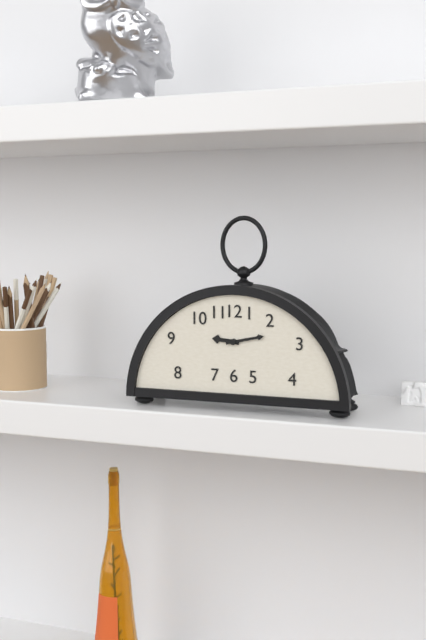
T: 9:13
